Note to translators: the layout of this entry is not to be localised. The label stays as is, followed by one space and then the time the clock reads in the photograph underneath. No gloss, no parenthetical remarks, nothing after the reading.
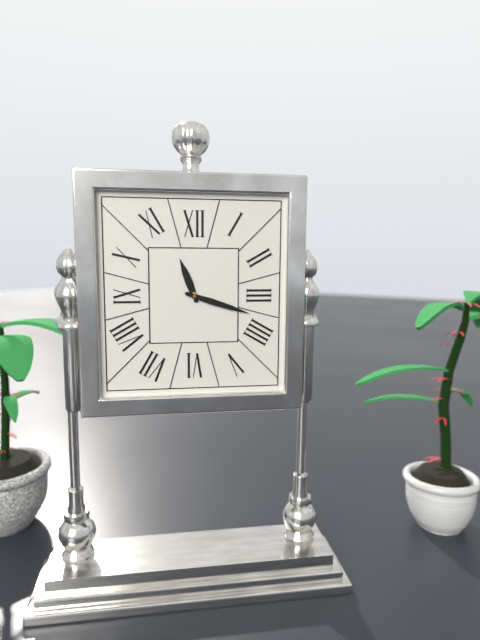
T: 11:18
